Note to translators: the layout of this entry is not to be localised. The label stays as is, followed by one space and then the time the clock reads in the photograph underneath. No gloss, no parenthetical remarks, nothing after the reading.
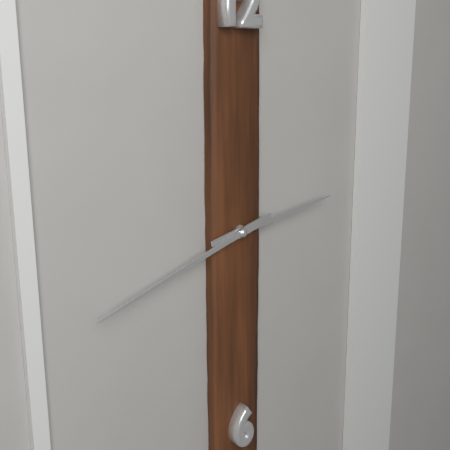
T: 2:42
